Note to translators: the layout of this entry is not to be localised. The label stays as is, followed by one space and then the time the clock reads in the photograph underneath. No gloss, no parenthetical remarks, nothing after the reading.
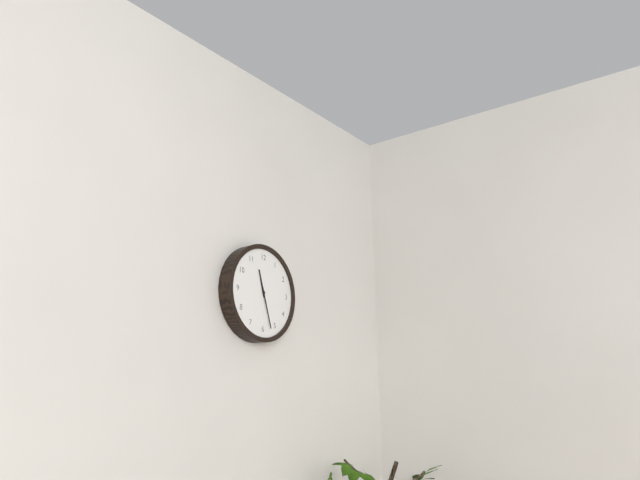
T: 11:27
